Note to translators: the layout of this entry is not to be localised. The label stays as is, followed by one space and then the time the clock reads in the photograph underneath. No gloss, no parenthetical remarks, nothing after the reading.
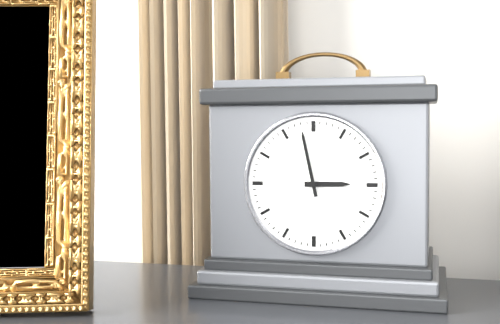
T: 2:58
